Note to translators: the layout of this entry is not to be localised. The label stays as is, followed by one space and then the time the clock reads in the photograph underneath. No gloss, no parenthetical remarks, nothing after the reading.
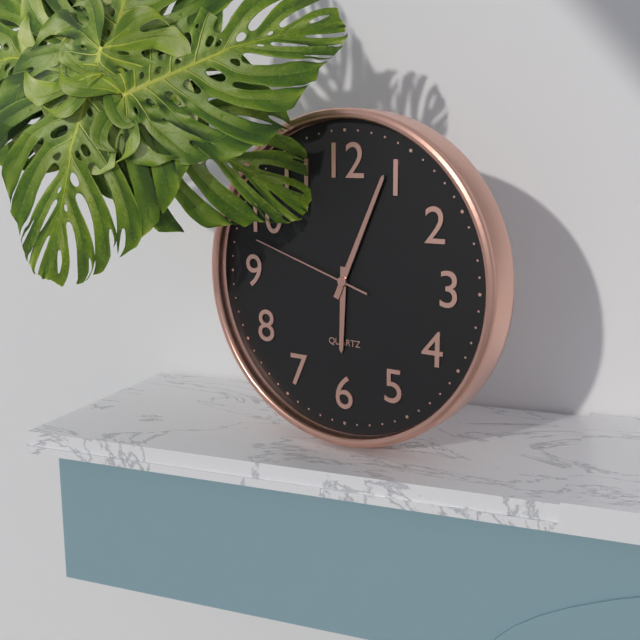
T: 6:04:48
